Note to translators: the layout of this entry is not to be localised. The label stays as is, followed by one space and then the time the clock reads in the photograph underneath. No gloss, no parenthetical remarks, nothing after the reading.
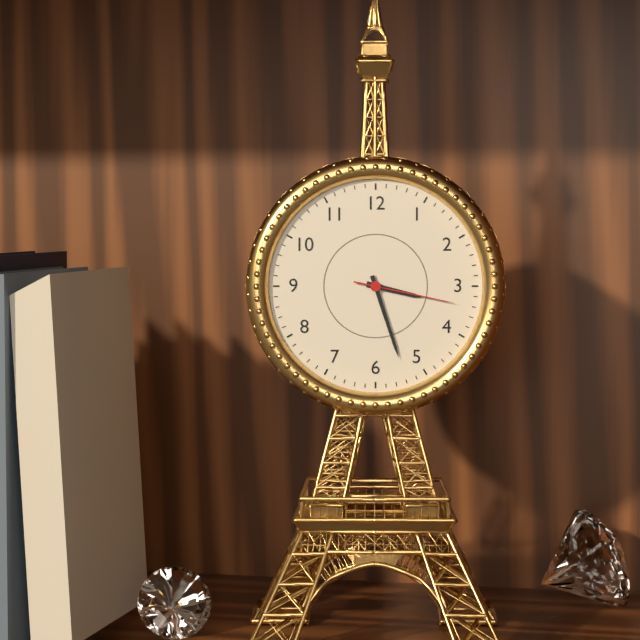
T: 3:27:17
